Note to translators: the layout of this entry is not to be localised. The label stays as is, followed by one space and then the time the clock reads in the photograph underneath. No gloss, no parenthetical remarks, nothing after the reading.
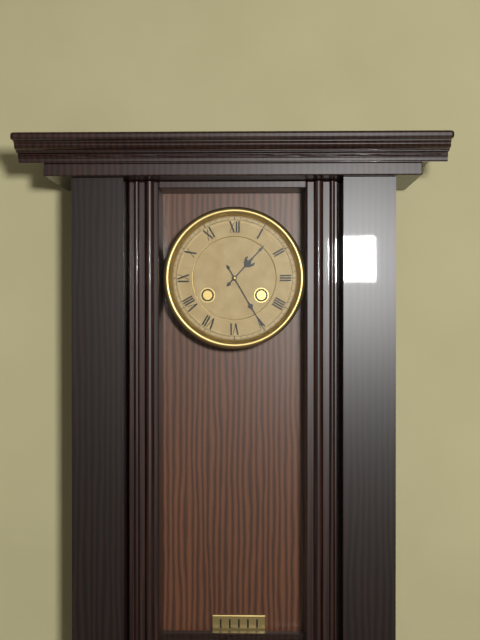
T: 1:25
